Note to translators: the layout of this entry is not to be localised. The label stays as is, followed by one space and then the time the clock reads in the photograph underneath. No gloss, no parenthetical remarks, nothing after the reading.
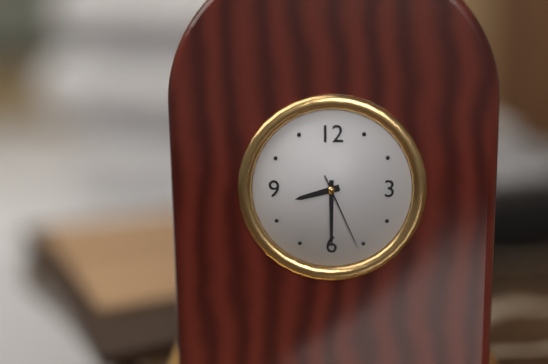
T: 8:30:26
